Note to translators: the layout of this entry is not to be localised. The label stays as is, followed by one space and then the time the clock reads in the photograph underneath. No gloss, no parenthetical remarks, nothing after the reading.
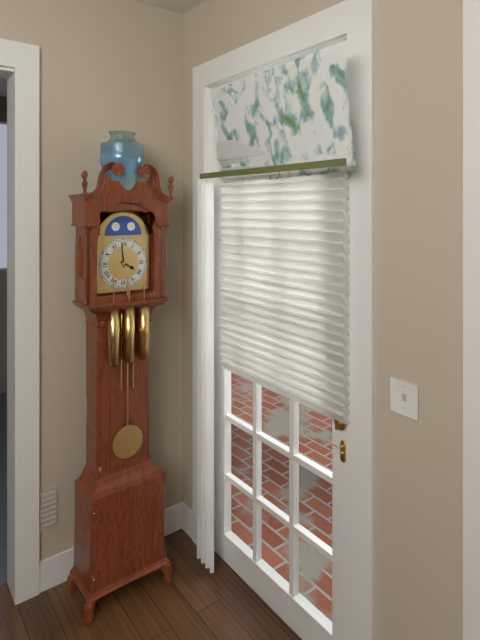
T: 3:59
